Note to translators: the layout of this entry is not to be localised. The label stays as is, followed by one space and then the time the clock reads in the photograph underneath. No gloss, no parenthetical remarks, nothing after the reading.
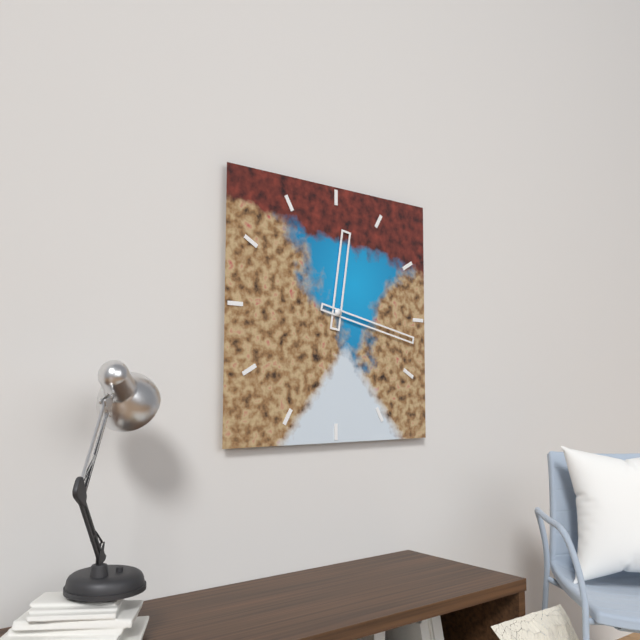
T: 12:17
